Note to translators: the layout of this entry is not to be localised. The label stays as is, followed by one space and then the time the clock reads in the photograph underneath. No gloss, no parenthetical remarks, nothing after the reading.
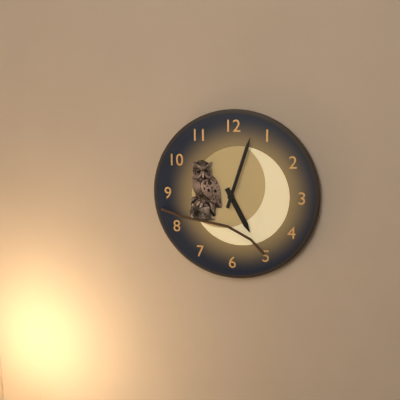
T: 5:03
